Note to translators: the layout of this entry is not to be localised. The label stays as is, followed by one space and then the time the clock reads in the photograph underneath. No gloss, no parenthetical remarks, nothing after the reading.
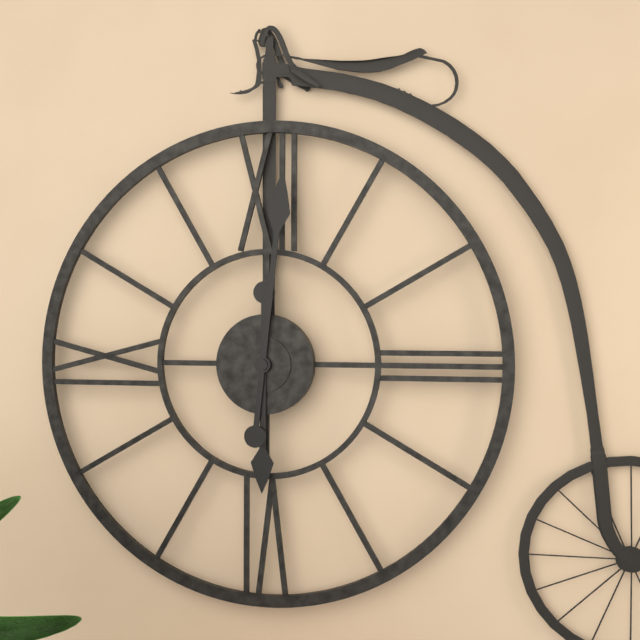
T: 6:01
